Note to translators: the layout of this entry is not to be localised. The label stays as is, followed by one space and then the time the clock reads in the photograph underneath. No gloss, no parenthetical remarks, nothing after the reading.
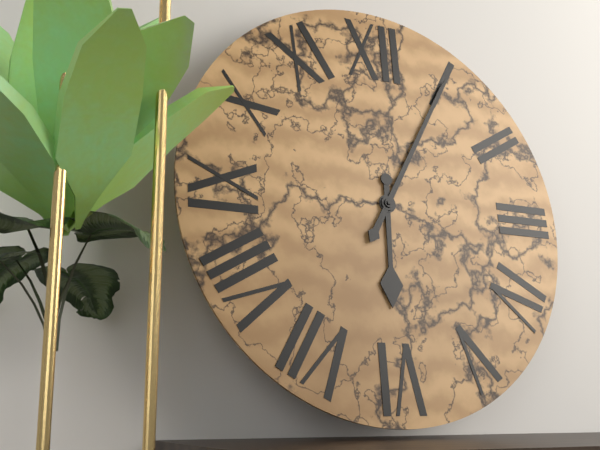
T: 6:05
